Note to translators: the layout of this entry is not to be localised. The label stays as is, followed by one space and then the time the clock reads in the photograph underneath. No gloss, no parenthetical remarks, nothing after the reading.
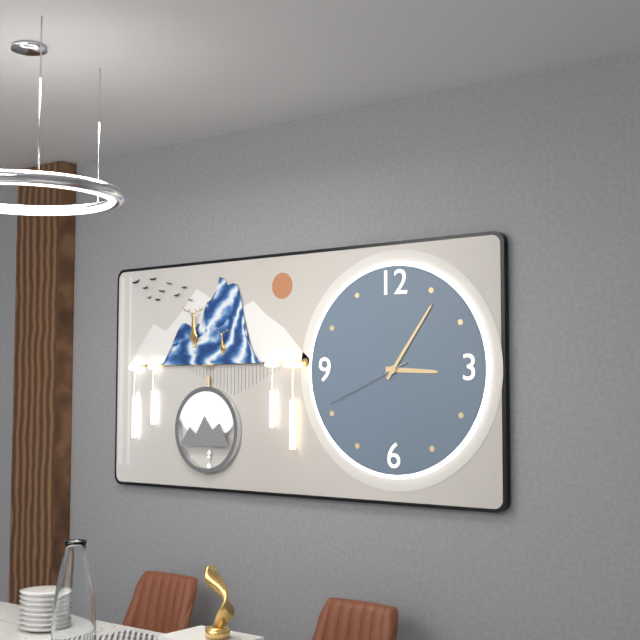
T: 3:06:41
